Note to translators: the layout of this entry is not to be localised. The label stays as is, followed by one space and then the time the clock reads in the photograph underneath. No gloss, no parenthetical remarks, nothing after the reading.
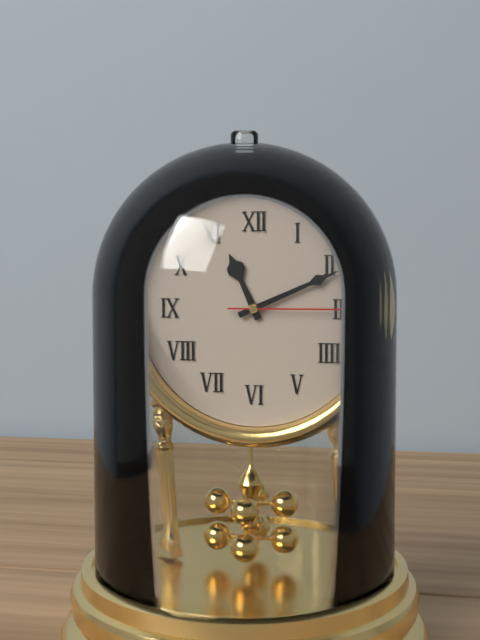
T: 11:11:15
